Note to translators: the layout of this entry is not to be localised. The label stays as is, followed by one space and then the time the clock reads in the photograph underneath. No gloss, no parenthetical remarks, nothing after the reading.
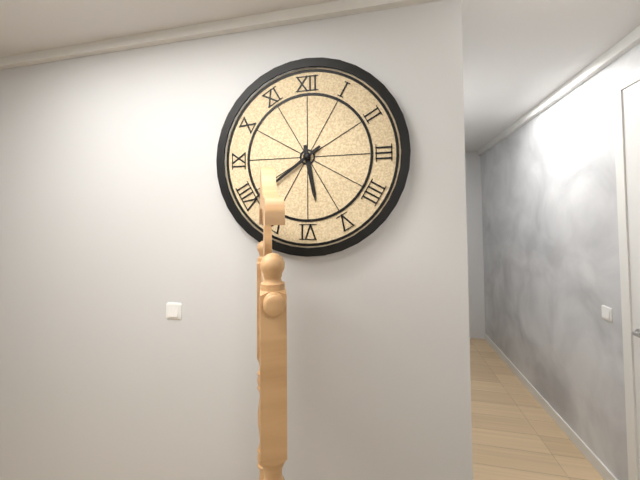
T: 5:39
